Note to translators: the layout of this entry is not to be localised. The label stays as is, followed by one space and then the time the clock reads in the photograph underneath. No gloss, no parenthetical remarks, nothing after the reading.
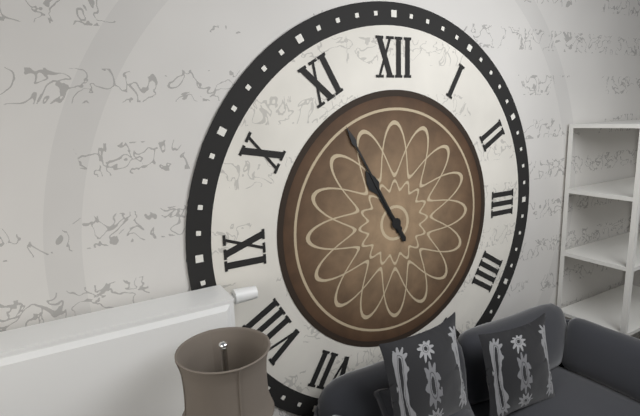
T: 10:55
